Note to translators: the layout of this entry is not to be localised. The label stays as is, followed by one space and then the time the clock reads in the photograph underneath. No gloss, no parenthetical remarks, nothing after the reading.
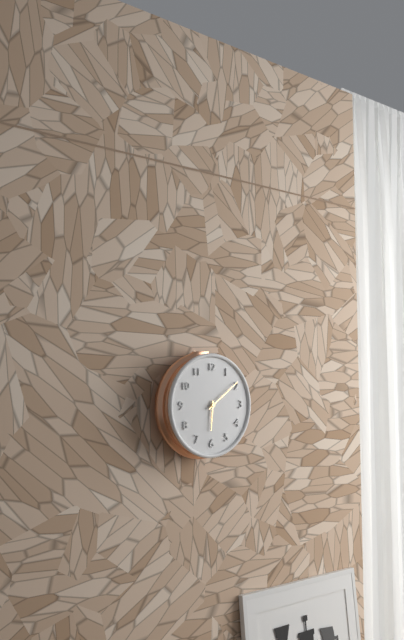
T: 6:09
